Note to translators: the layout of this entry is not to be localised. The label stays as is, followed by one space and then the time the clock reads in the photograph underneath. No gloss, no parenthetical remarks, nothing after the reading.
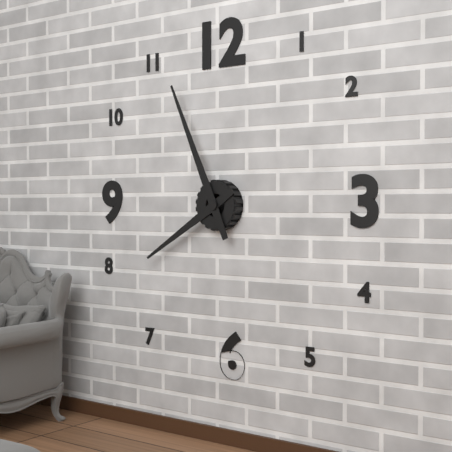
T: 7:56
